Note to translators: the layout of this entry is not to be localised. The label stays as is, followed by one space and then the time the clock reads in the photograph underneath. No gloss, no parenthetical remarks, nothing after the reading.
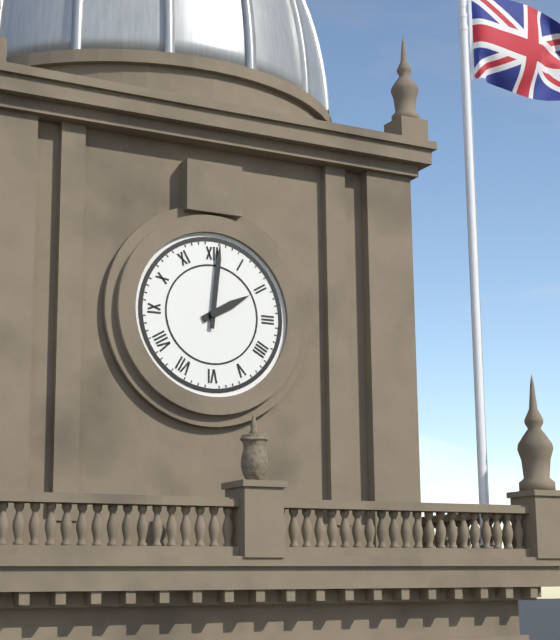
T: 2:01
